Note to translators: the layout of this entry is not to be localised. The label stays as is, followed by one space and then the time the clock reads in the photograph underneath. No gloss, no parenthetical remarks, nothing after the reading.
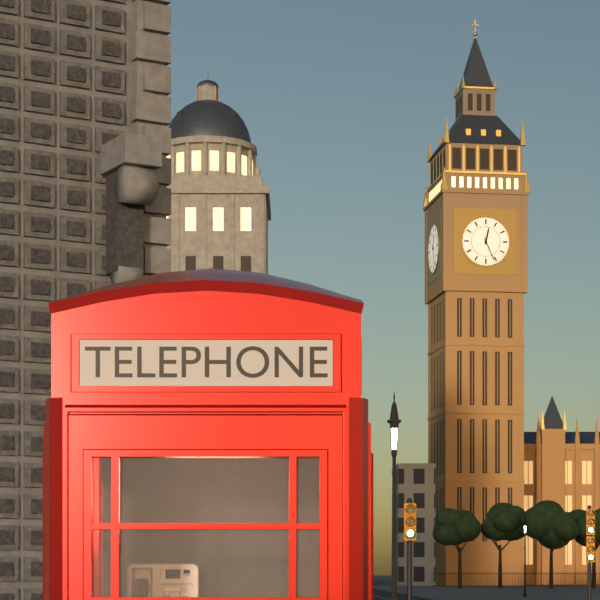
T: 12:26
